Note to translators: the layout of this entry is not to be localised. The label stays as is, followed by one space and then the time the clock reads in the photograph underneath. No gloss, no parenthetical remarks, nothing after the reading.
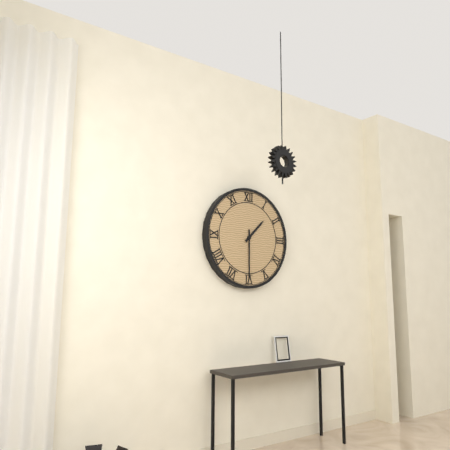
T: 1:30
